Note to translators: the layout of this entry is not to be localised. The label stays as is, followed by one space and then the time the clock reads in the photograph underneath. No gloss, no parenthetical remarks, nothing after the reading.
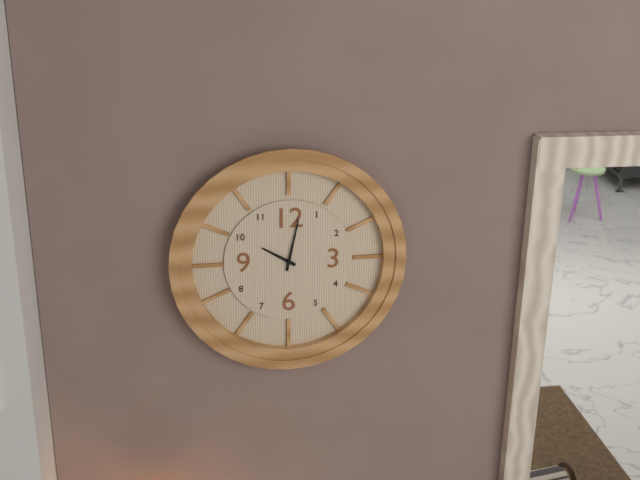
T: 10:02
